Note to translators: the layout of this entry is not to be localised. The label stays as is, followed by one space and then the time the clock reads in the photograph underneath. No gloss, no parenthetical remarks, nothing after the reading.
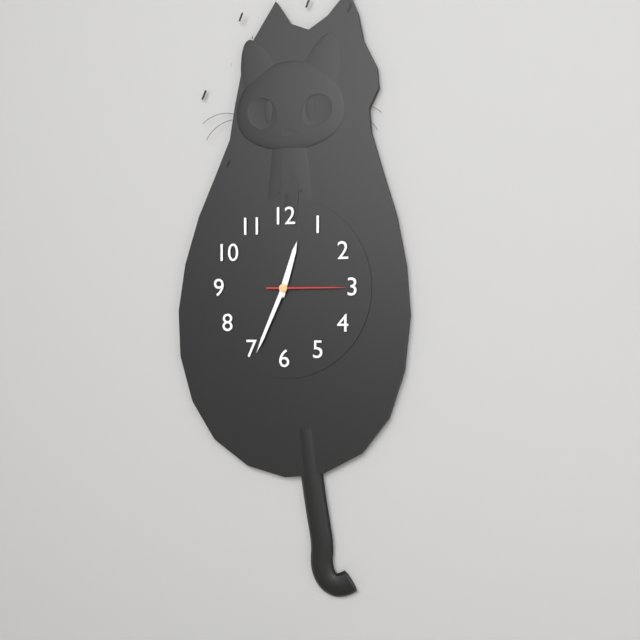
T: 12:34:15
